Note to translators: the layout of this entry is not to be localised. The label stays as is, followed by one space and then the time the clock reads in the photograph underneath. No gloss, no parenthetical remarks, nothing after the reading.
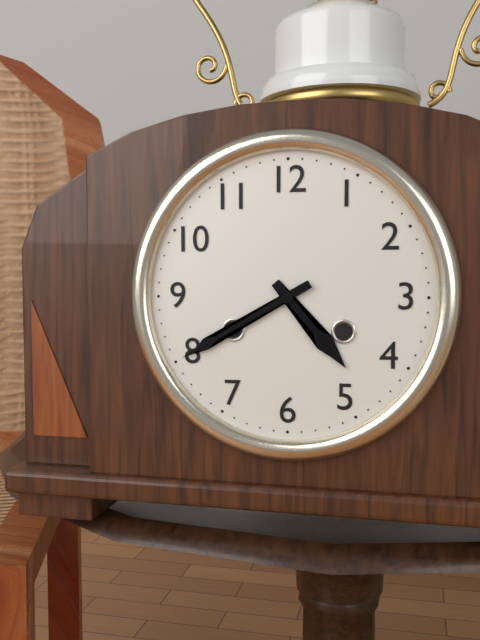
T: 4:40
